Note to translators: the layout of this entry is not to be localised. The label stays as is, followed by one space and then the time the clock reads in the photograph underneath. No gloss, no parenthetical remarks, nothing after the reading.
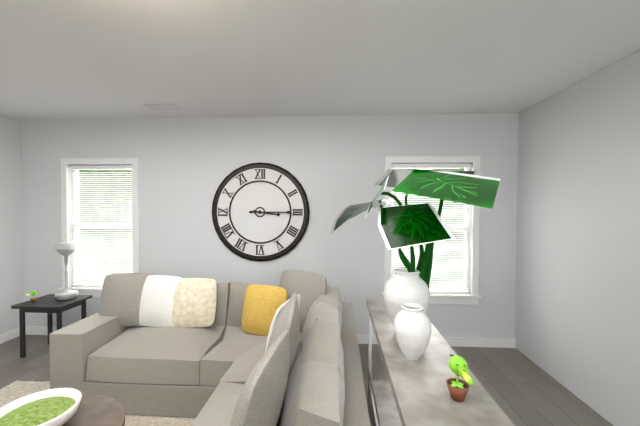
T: 3:15
